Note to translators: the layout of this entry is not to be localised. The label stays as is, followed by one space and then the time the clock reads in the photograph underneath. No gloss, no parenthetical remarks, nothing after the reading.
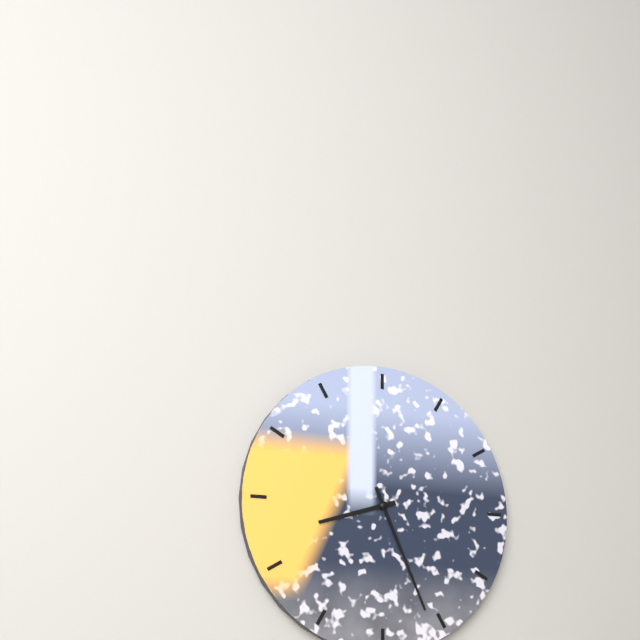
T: 8:26
